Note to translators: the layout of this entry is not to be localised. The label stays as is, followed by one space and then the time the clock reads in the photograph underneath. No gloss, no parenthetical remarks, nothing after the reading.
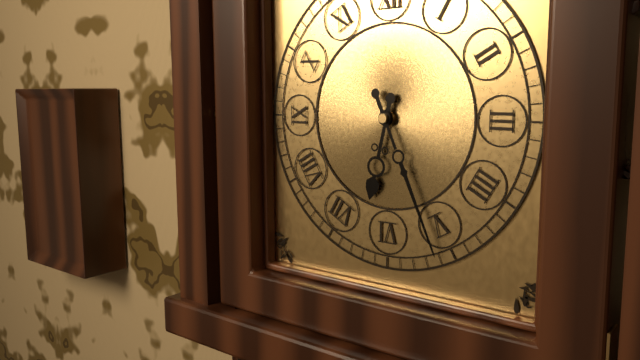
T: 6:26
